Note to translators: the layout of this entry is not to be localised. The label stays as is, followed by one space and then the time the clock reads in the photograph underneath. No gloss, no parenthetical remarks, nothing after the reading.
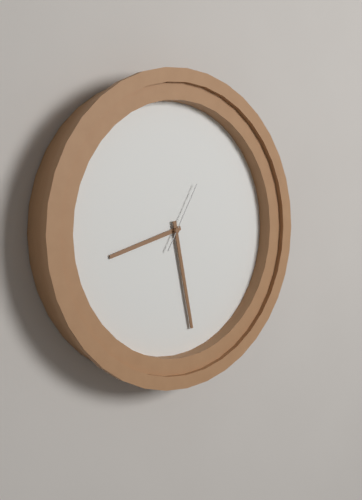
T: 8:28:05
